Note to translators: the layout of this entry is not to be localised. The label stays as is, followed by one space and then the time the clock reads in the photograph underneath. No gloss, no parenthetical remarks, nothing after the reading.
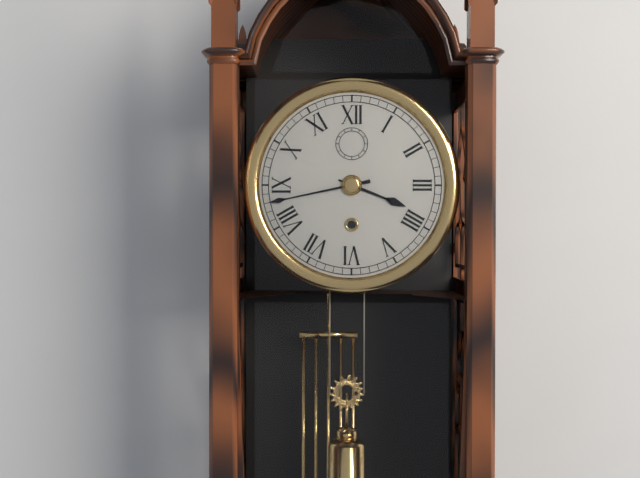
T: 3:43
